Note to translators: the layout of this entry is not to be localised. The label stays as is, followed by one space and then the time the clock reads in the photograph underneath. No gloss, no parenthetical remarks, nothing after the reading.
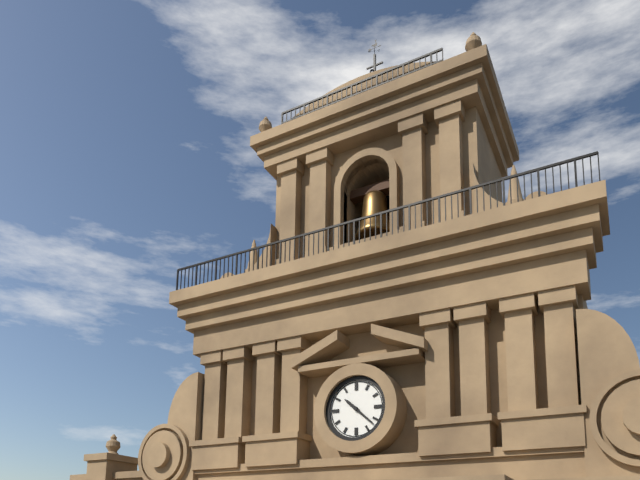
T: 10:22
